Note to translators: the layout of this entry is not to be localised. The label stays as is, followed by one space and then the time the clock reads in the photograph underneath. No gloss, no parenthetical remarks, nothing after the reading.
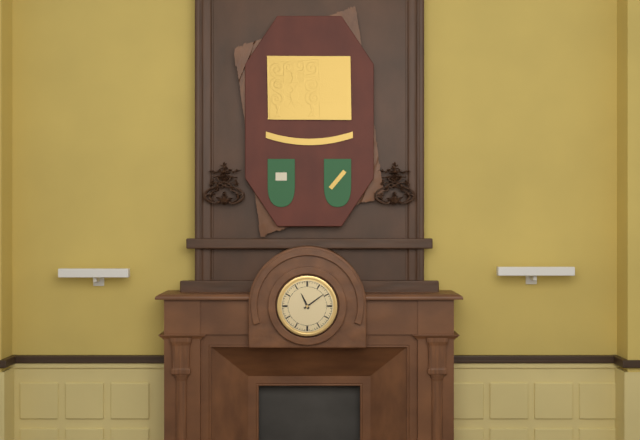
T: 11:09
